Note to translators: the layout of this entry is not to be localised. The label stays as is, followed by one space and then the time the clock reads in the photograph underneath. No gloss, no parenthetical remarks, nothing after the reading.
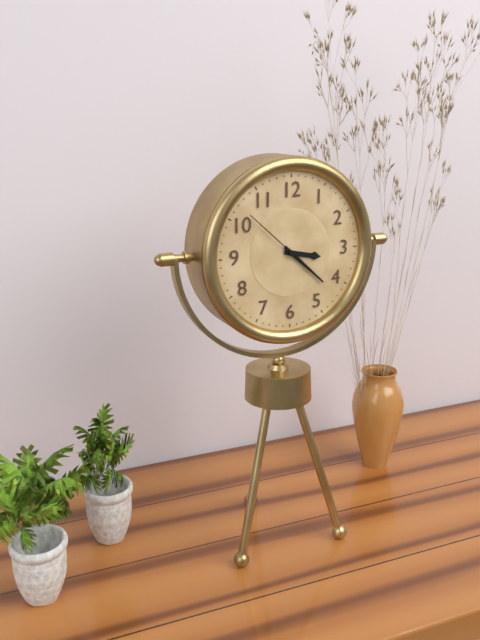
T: 3:22:52
